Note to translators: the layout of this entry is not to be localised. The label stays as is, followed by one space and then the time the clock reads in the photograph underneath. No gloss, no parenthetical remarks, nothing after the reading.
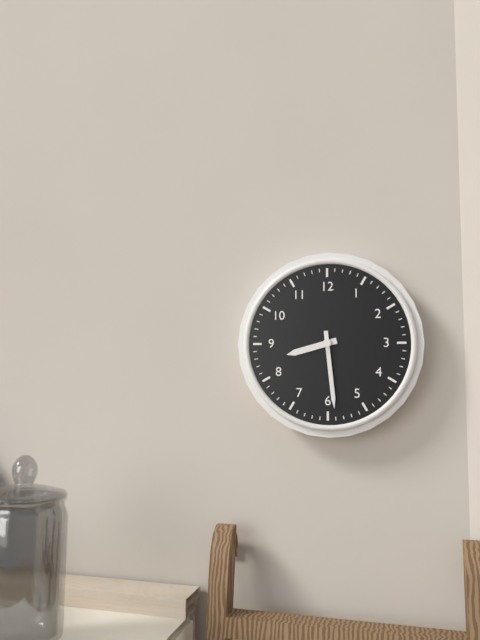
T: 8:29
